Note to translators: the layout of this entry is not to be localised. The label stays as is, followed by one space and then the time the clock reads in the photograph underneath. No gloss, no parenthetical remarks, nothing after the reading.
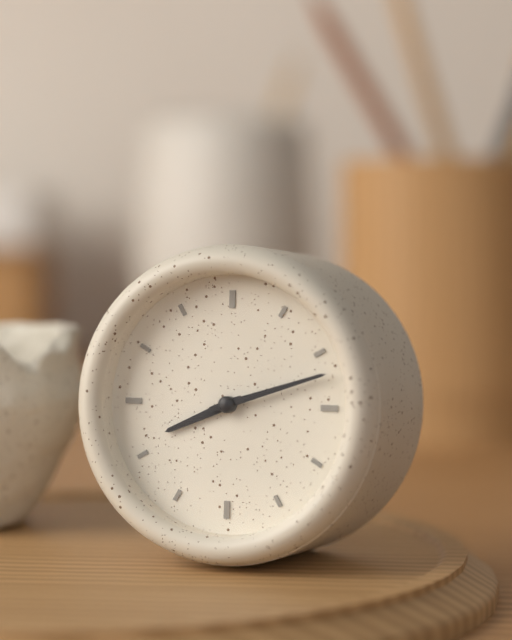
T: 8:12
